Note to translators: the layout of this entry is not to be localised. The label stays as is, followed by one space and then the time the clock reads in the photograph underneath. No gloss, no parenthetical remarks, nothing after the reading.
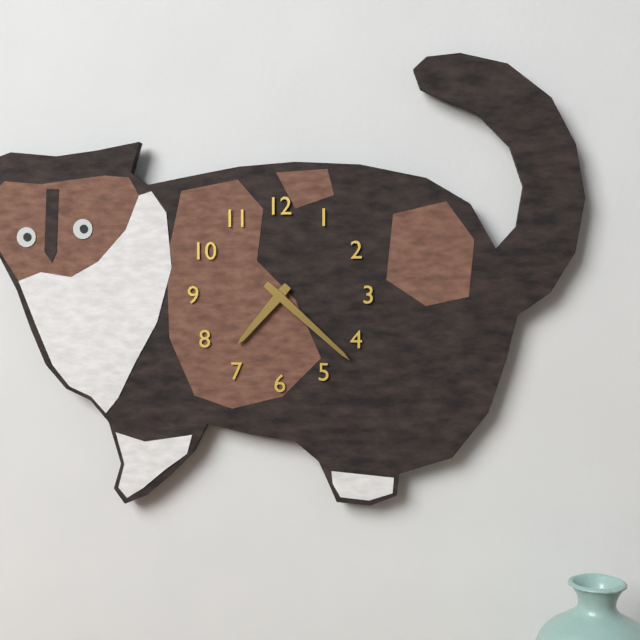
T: 7:22
